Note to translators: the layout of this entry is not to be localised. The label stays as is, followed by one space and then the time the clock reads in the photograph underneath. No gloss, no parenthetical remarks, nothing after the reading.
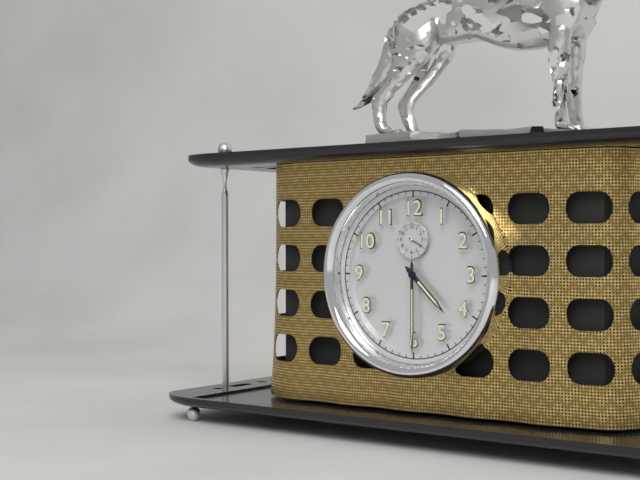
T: 4:30
